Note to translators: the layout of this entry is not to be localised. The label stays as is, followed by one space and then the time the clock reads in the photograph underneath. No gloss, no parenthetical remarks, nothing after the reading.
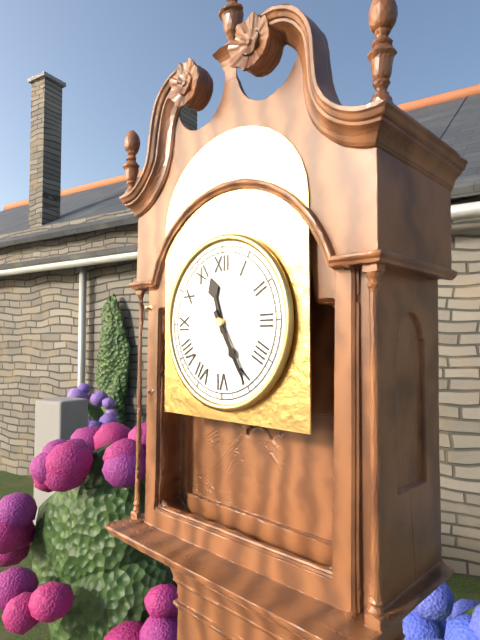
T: 11:25
